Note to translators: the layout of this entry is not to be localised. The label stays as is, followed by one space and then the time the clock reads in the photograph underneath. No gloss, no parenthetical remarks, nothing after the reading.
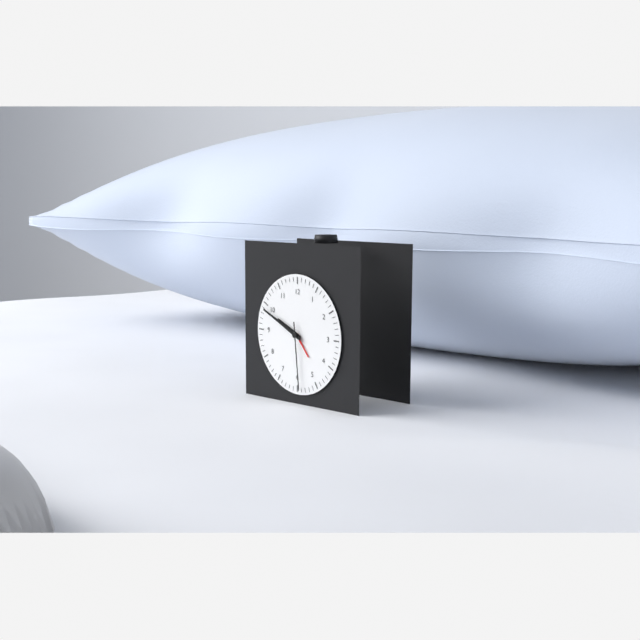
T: 9:49:29
